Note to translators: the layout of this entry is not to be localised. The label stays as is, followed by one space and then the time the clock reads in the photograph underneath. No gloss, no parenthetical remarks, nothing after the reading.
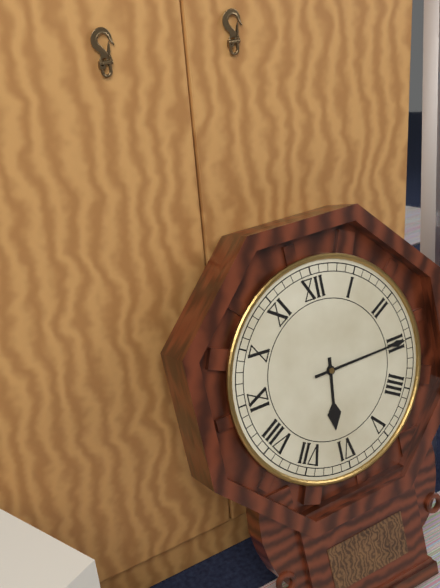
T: 6:15
